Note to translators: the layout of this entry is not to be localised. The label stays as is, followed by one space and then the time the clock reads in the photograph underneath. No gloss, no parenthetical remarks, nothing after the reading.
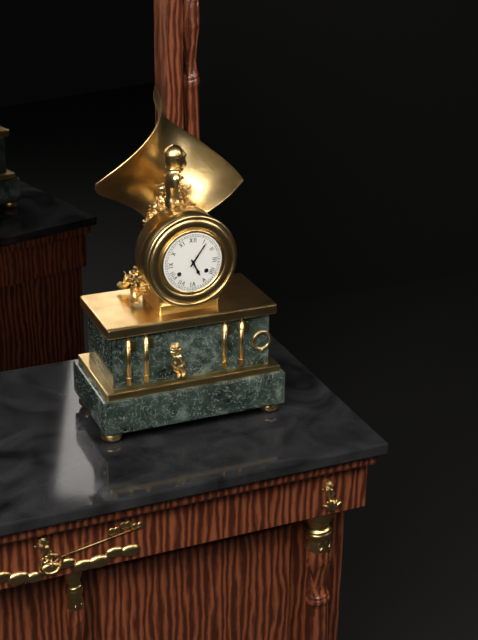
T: 5:06
